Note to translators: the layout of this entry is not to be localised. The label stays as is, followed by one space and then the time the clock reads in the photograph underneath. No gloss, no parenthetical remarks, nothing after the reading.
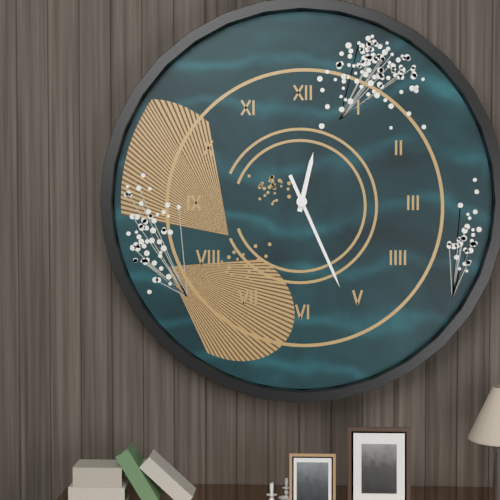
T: 12:26
